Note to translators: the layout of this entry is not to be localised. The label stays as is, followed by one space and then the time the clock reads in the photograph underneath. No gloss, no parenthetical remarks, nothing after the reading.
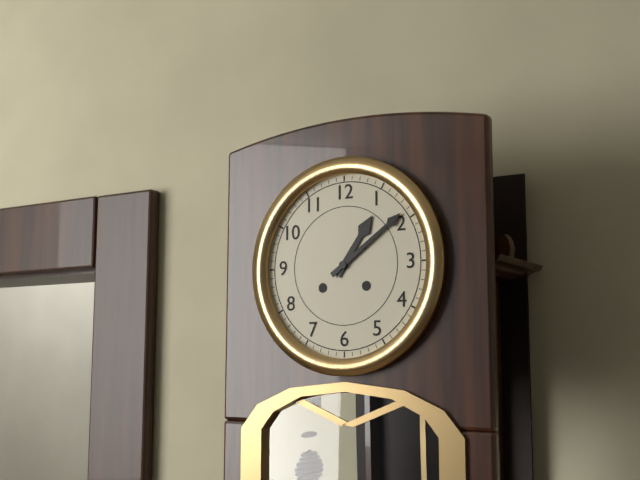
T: 1:09
